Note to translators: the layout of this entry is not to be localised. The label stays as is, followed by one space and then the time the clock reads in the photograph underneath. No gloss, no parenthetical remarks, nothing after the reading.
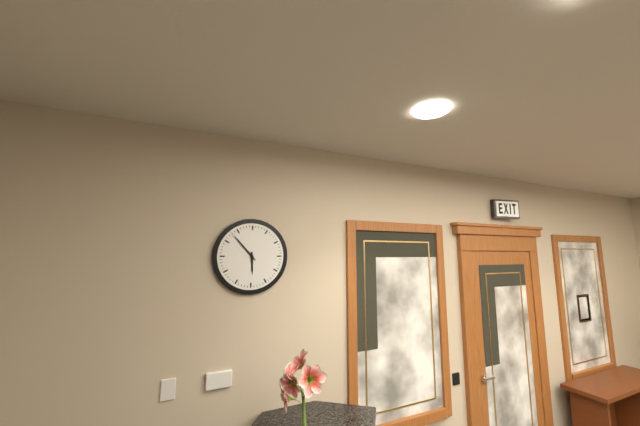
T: 5:53
